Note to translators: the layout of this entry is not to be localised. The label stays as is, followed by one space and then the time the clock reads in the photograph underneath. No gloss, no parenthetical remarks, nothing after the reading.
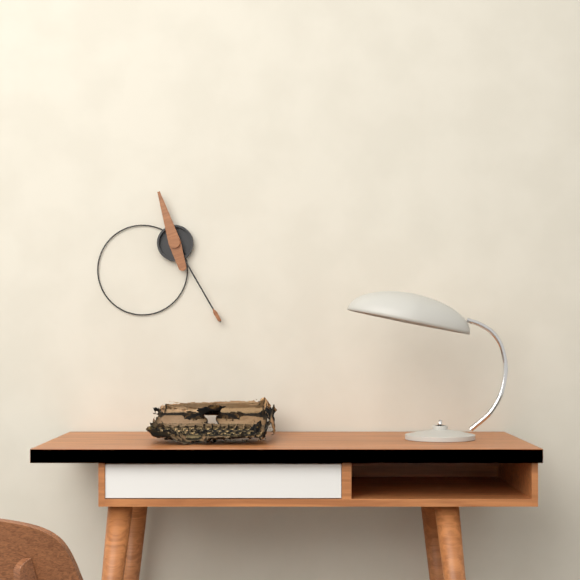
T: 11:25
